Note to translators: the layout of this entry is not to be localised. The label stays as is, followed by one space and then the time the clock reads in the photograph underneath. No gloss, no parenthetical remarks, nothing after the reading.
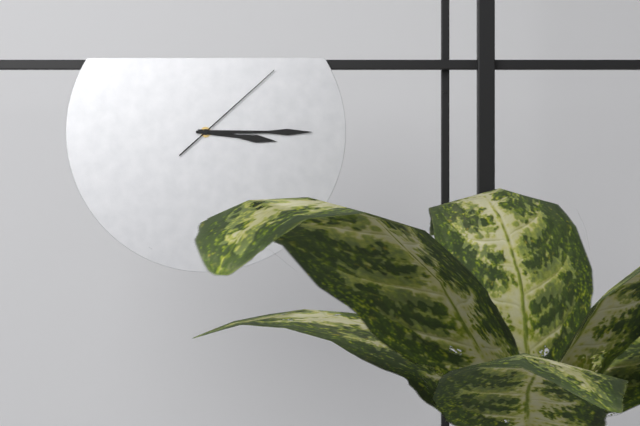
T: 3:15:08
